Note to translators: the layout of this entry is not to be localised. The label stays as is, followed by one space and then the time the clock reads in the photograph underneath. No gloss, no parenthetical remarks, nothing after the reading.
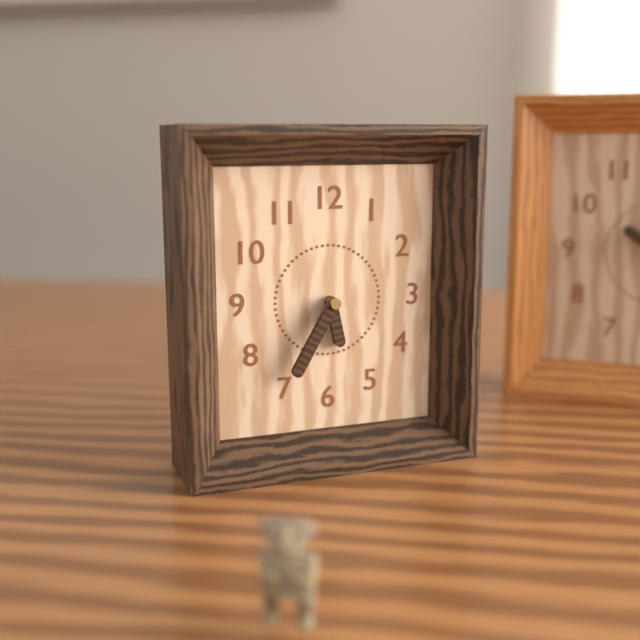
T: 5:35
